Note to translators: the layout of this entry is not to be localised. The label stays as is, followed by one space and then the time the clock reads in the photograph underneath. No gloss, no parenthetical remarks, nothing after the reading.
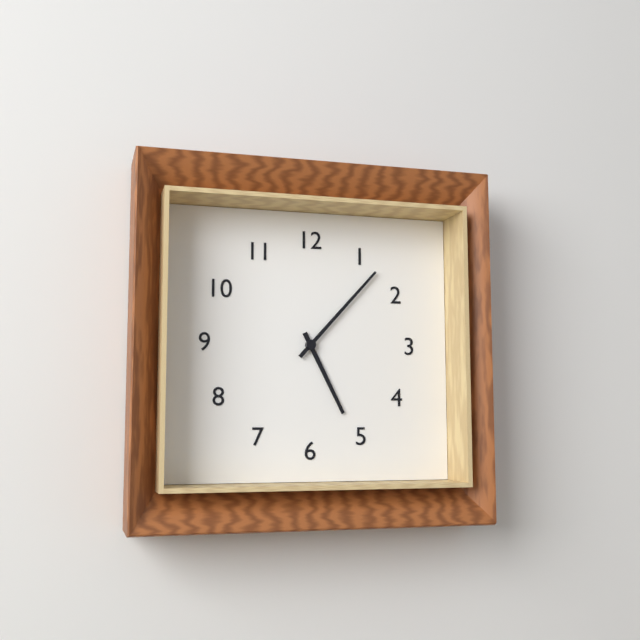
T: 5:07
